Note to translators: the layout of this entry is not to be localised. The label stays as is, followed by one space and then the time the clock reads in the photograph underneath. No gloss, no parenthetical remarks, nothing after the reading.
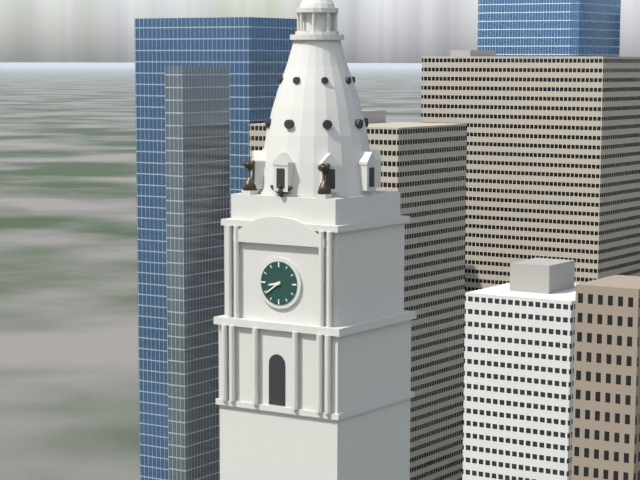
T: 8:39
